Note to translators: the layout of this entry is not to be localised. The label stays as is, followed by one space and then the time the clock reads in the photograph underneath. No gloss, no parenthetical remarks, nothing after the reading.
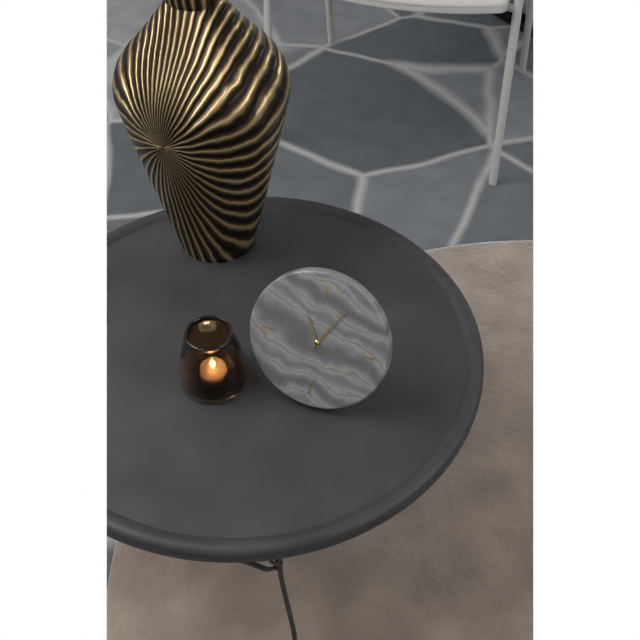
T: 11:05
